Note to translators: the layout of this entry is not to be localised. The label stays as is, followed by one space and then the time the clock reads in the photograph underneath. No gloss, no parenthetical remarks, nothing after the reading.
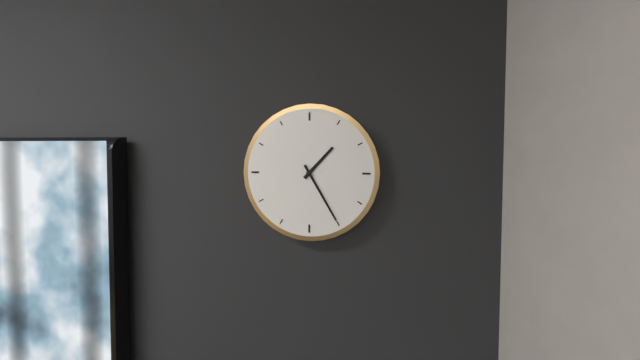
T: 1:25
